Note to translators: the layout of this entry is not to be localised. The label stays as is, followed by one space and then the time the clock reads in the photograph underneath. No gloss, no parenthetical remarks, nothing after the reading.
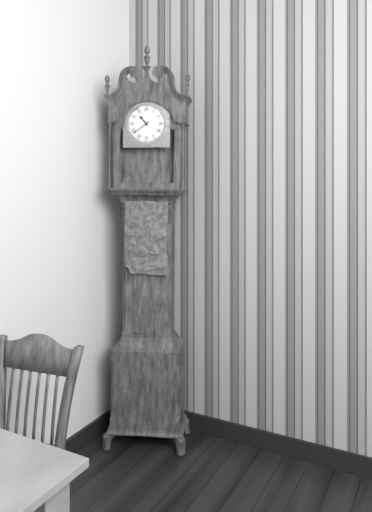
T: 10:39
